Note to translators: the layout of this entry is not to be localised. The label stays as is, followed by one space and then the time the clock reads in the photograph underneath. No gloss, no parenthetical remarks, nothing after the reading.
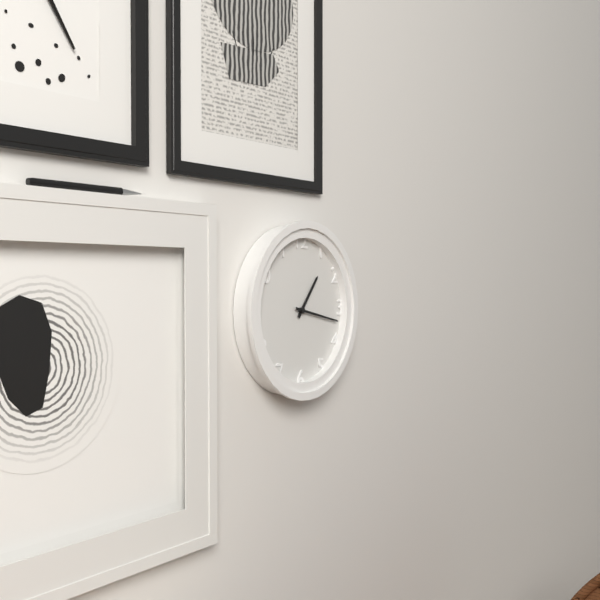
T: 1:17
